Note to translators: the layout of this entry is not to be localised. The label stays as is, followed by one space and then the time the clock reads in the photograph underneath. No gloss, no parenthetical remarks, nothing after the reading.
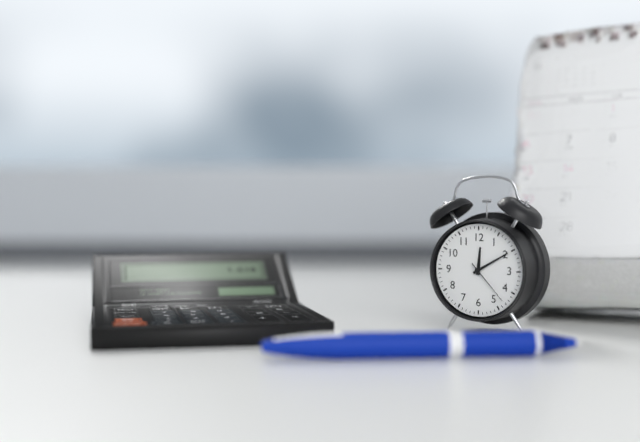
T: 12:10
